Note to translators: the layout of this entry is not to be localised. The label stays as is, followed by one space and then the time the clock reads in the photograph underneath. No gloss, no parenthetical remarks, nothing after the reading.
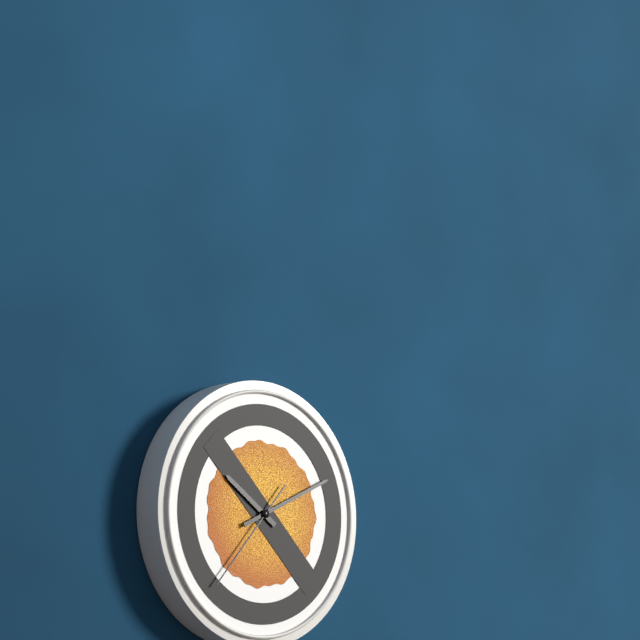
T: 10:11:37
